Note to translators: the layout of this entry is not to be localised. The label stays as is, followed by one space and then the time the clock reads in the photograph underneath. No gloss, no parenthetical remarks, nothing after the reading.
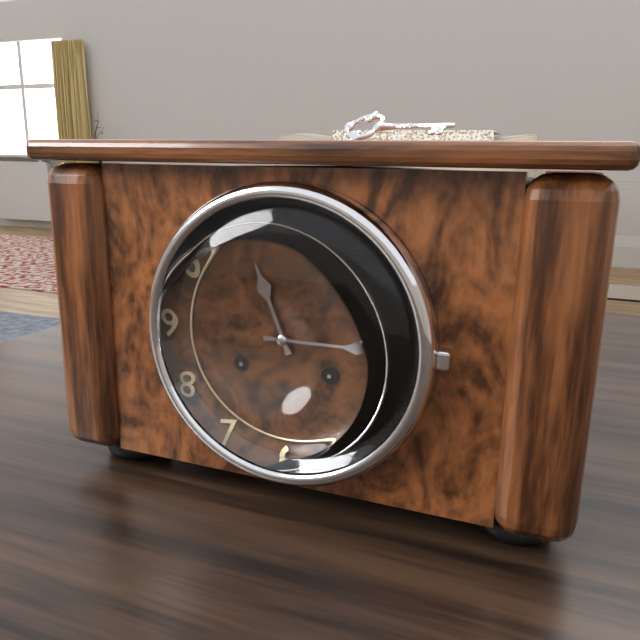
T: 11:15
